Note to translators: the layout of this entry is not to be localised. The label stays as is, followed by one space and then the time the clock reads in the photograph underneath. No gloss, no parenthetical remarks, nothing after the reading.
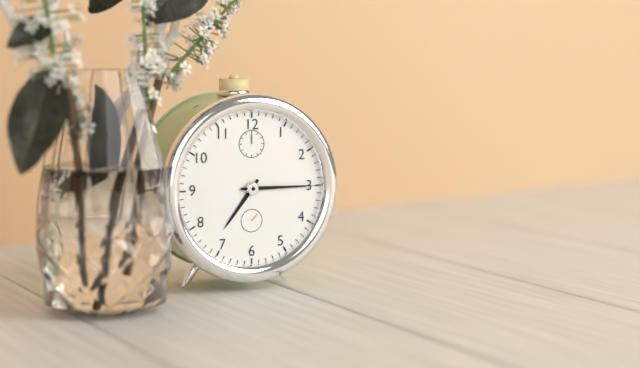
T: 7:15
